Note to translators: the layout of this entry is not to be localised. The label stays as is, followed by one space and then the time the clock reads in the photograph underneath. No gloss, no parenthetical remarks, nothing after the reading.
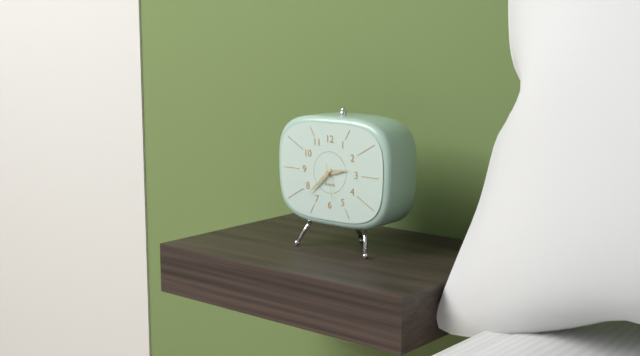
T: 2:38
